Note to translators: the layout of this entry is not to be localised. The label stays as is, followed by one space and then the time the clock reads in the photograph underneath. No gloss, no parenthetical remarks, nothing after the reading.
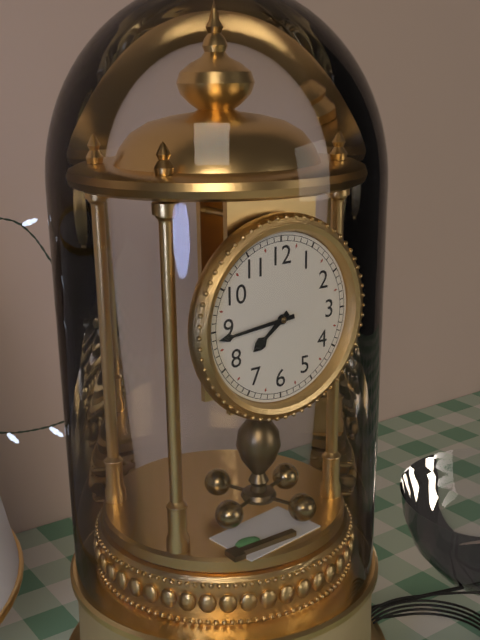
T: 7:44
